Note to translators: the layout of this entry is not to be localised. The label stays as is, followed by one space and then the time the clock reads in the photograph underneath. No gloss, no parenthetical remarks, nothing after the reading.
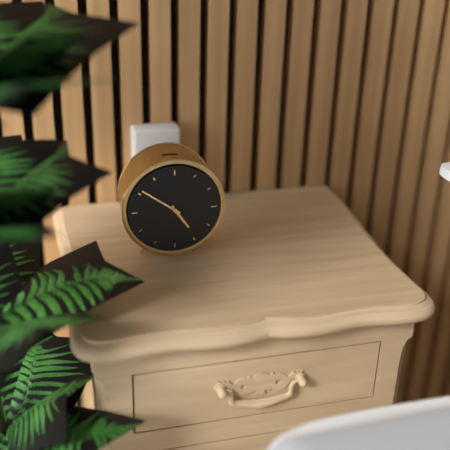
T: 4:51
